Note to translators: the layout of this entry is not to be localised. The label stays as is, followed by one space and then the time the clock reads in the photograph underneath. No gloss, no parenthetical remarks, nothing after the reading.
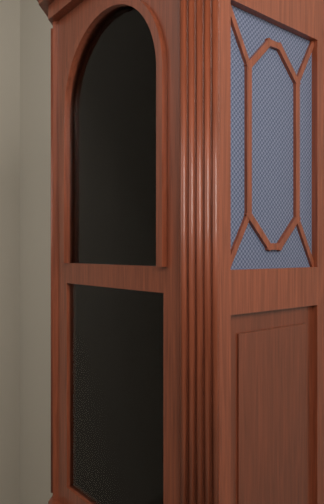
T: 2:13
